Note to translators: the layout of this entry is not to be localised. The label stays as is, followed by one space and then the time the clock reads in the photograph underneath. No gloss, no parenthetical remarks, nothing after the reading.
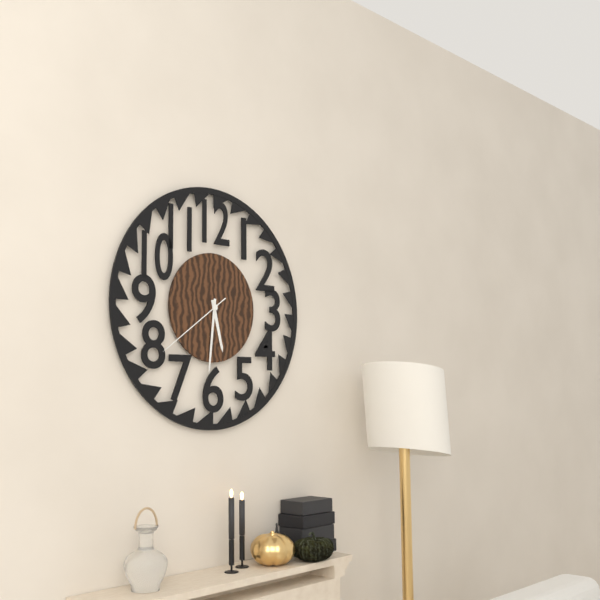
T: 5:31:39
